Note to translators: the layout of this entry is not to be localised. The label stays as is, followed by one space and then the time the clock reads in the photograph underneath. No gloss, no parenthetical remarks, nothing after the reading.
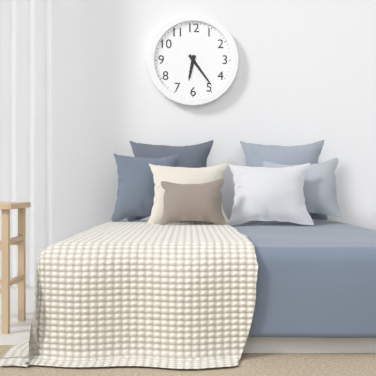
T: 6:24
